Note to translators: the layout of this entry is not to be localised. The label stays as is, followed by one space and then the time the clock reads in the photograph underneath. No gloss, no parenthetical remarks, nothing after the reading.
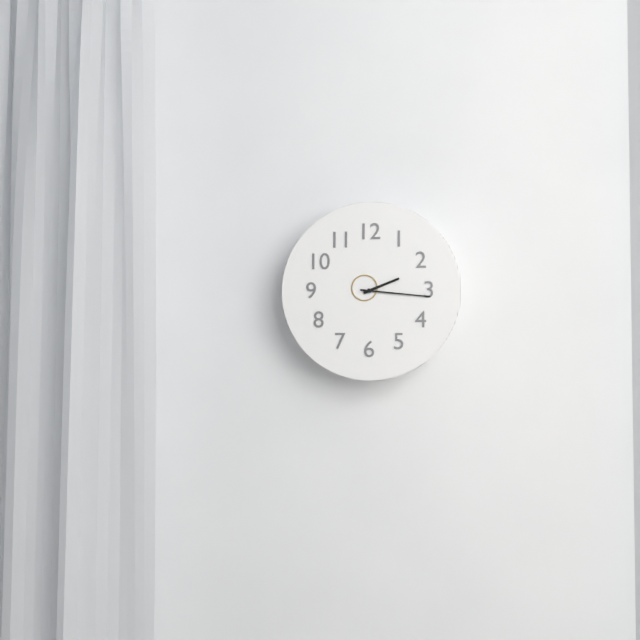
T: 2:16
